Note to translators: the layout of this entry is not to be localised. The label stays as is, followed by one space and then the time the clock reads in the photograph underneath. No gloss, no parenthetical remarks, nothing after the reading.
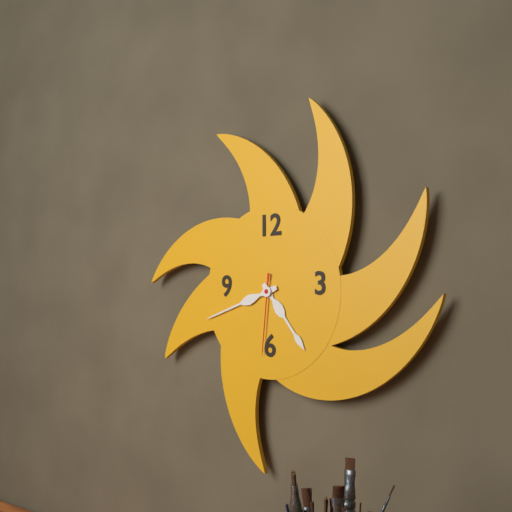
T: 4:42:31
